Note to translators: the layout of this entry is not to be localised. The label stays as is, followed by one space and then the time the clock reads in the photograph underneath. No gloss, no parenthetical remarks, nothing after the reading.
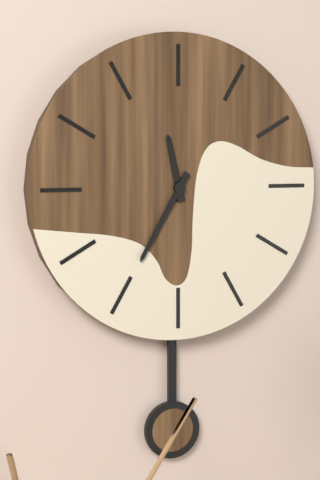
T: 11:35
